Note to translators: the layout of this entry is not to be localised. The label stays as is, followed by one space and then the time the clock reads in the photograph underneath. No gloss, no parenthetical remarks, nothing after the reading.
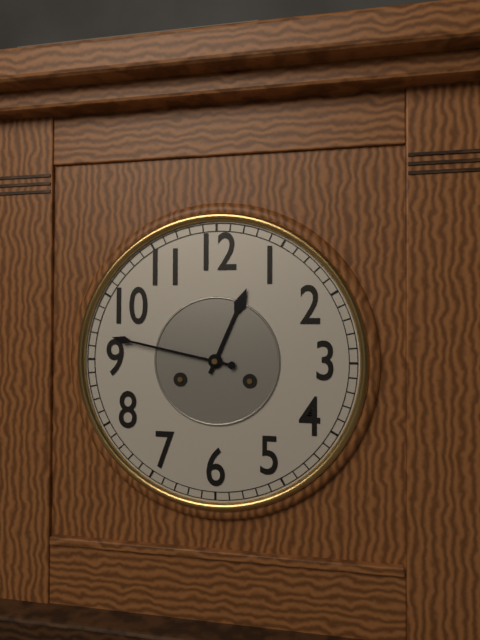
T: 12:47
